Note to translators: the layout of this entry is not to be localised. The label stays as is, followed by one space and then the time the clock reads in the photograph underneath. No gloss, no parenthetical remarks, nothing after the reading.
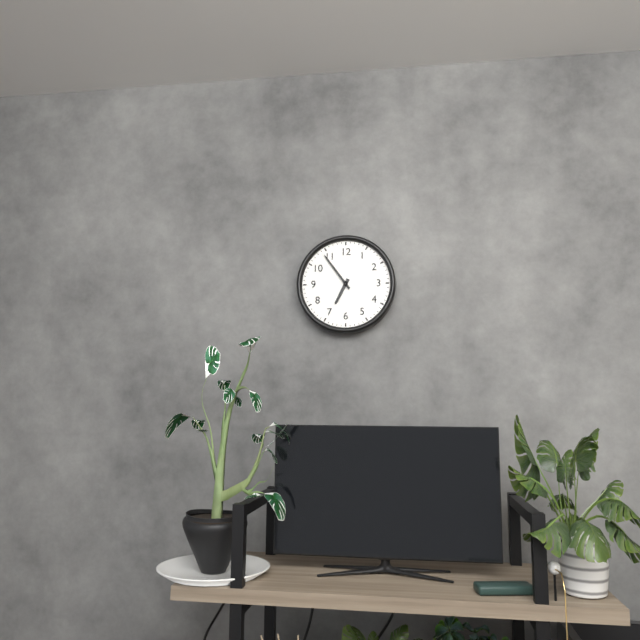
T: 6:54
